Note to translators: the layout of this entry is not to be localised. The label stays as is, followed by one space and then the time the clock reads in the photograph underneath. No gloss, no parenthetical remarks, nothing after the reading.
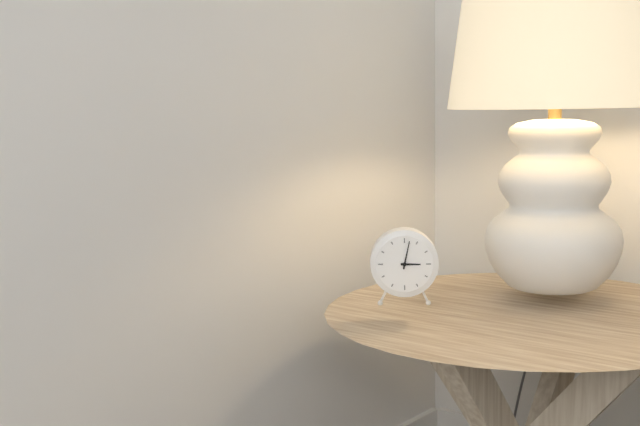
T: 3:02
